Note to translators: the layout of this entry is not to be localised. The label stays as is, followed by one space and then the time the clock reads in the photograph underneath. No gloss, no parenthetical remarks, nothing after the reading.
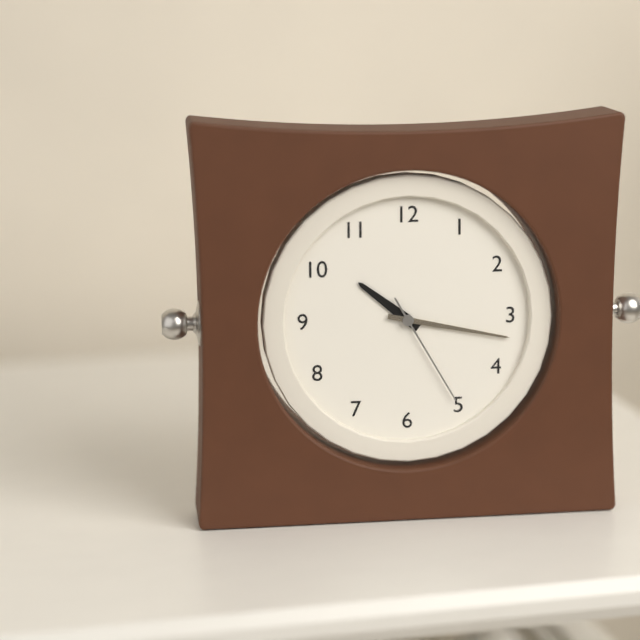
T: 10:17:25
